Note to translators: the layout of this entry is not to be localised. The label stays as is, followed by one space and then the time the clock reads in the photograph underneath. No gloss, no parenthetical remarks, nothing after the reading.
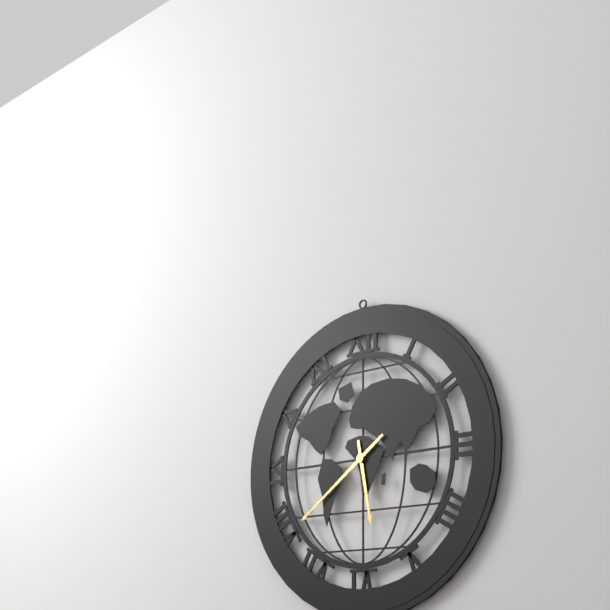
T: 5:39
